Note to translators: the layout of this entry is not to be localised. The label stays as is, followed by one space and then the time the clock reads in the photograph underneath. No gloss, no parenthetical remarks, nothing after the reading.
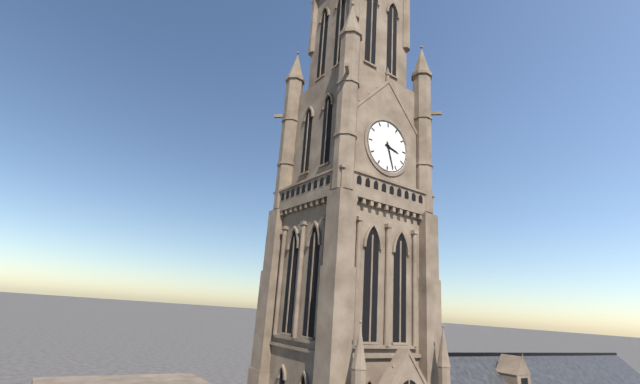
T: 3:27
